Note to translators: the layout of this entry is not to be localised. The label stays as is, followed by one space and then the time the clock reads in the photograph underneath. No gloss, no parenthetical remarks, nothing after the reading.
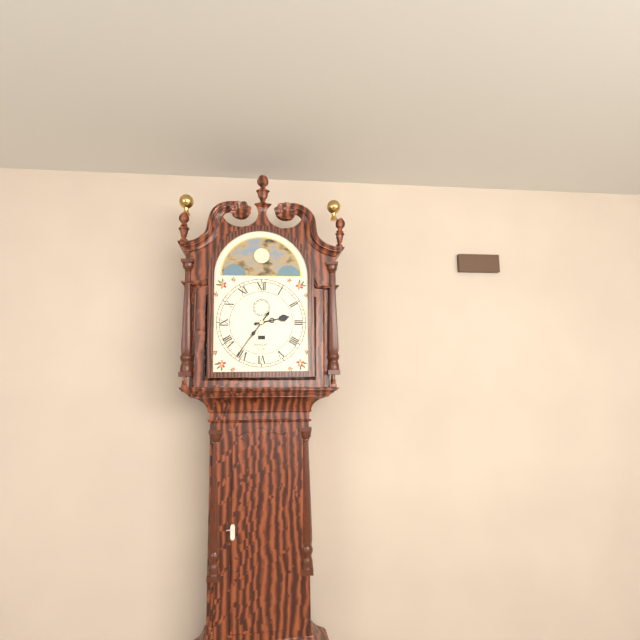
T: 2:36
